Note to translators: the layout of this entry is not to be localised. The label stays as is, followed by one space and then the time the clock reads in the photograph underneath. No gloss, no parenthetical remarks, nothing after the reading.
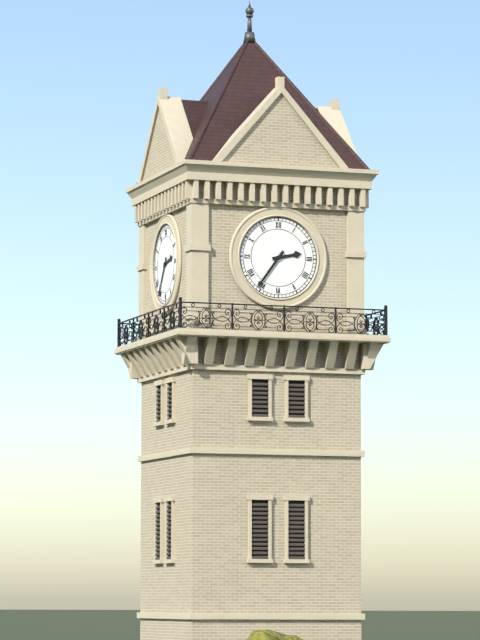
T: 2:36
